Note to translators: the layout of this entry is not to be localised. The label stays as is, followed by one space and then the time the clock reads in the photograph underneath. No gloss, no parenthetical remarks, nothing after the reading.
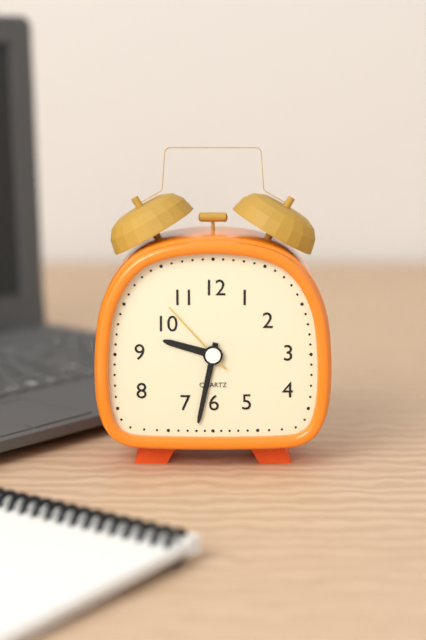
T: 9:32:53
